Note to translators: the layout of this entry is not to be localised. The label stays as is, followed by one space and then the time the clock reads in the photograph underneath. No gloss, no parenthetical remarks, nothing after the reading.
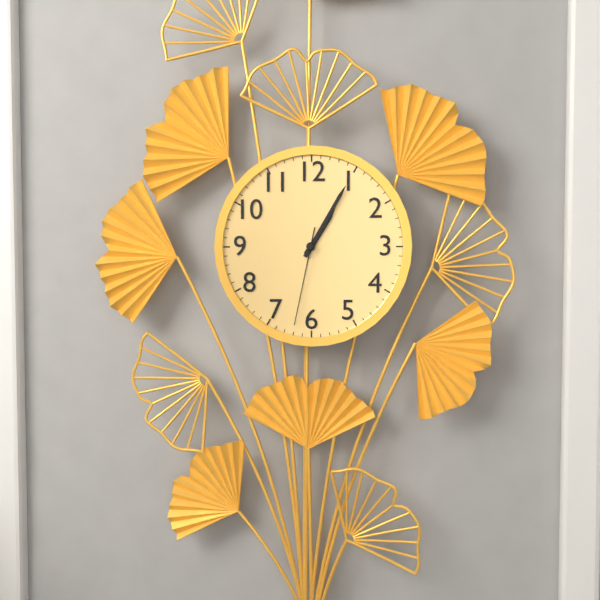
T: 1:05:32
